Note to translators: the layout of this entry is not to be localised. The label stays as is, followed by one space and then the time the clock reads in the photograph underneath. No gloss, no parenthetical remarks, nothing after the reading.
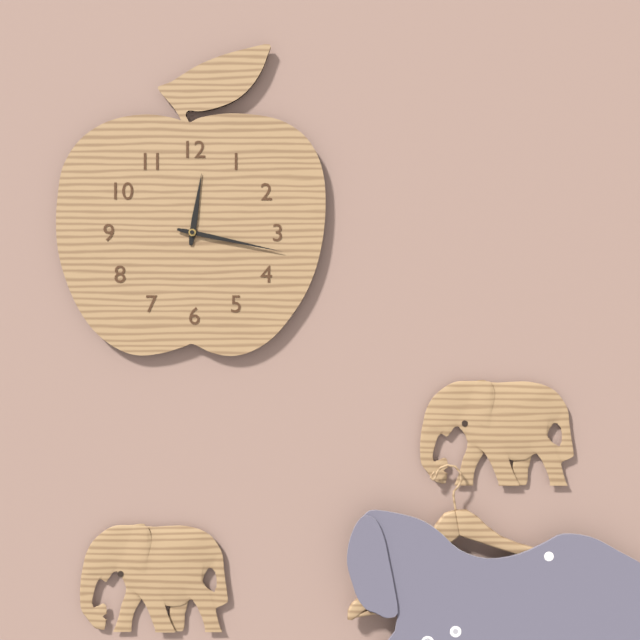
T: 12:17
